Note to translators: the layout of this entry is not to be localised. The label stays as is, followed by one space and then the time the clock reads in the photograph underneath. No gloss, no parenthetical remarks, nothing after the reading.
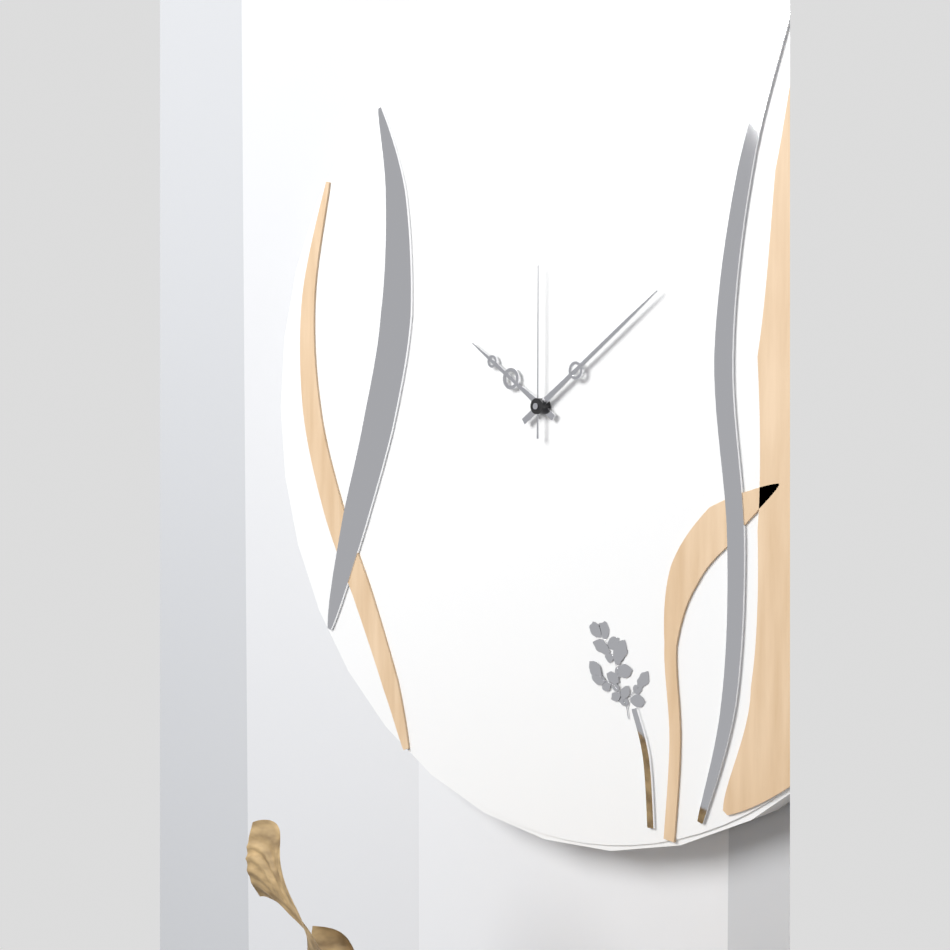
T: 10:09:00
